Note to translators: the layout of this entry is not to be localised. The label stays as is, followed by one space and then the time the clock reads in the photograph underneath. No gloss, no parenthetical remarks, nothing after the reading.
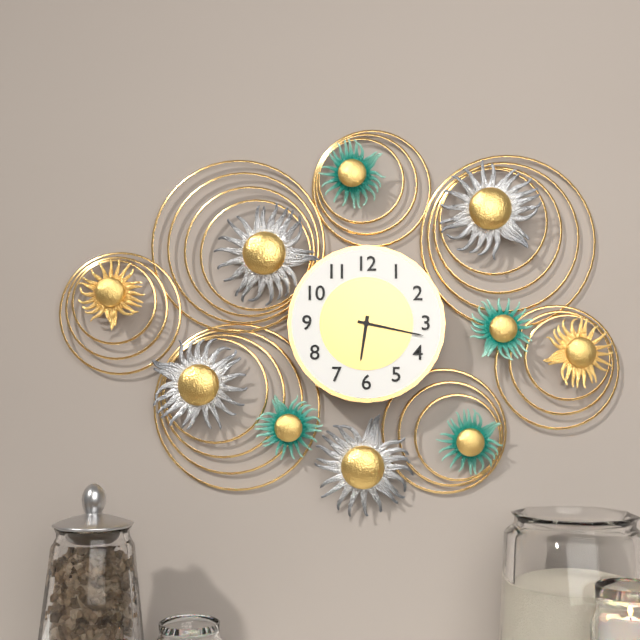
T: 6:17
